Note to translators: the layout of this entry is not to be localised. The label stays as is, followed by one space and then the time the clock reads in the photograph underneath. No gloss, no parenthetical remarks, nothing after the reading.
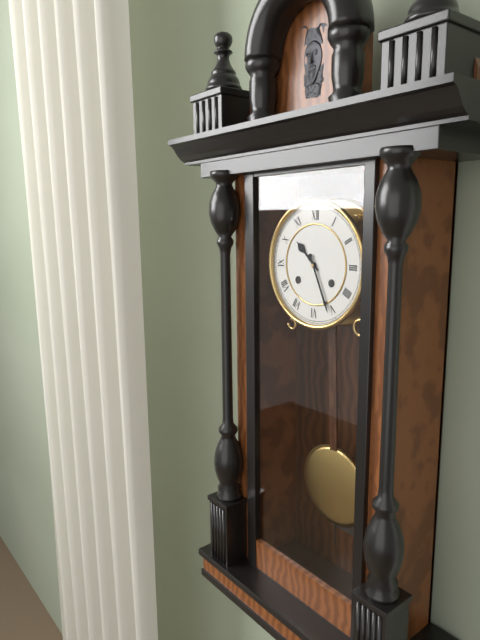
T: 10:26
